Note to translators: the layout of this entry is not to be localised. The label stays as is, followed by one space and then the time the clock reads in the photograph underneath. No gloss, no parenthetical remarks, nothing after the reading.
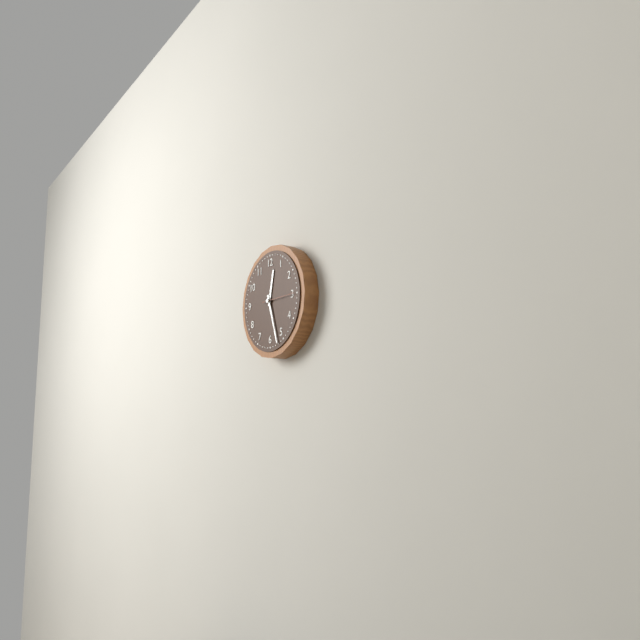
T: 12:27
